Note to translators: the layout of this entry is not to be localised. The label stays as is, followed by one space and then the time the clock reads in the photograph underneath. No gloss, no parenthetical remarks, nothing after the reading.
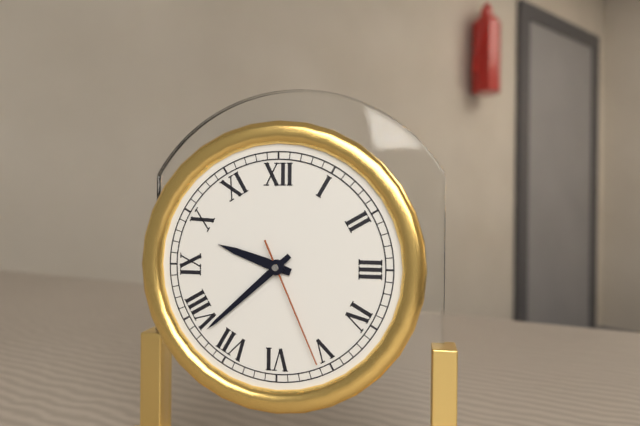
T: 9:38:26
